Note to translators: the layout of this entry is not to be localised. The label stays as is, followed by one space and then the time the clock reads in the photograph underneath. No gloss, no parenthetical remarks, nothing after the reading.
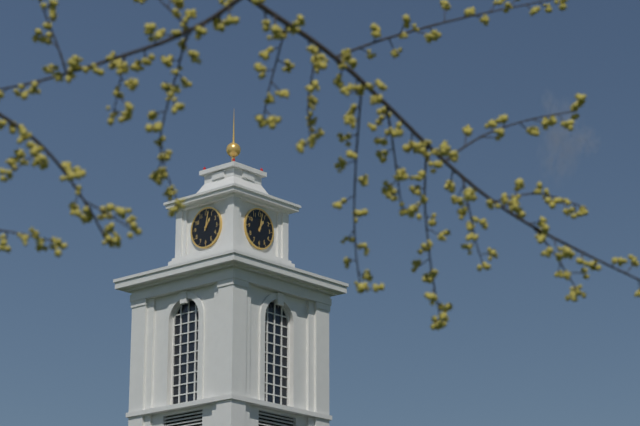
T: 1:02
